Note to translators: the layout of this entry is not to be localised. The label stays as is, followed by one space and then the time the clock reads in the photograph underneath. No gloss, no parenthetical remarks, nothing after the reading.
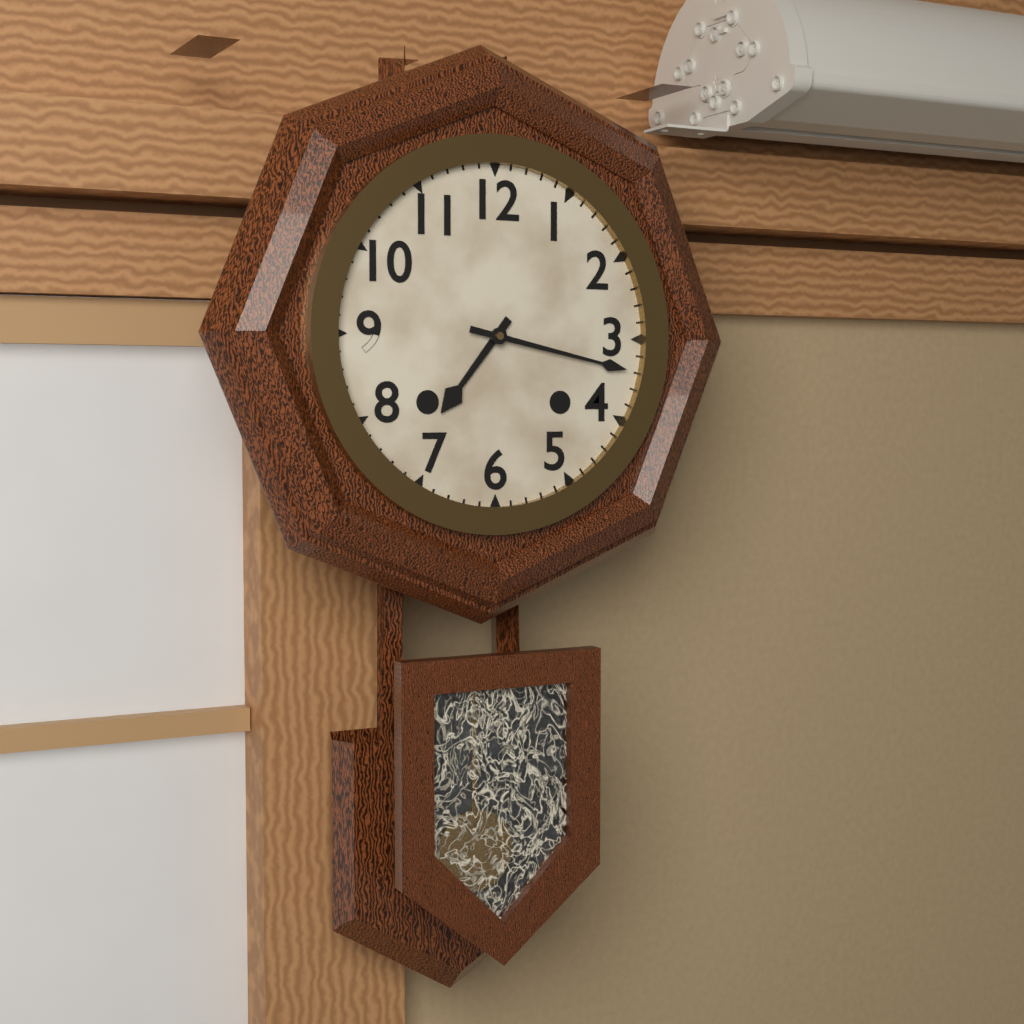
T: 7:17
